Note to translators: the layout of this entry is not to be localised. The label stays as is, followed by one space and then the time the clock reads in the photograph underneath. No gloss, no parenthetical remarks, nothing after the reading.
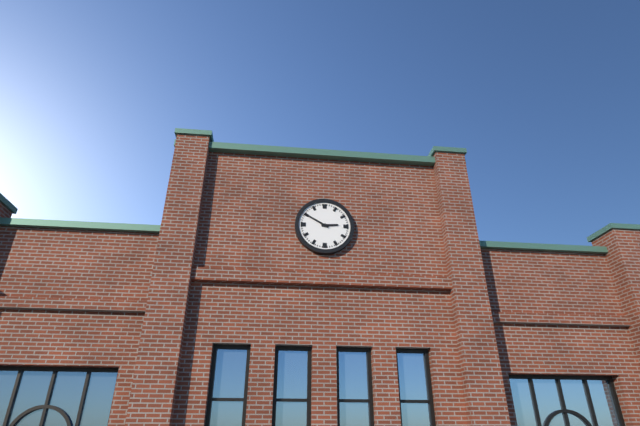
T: 2:50
